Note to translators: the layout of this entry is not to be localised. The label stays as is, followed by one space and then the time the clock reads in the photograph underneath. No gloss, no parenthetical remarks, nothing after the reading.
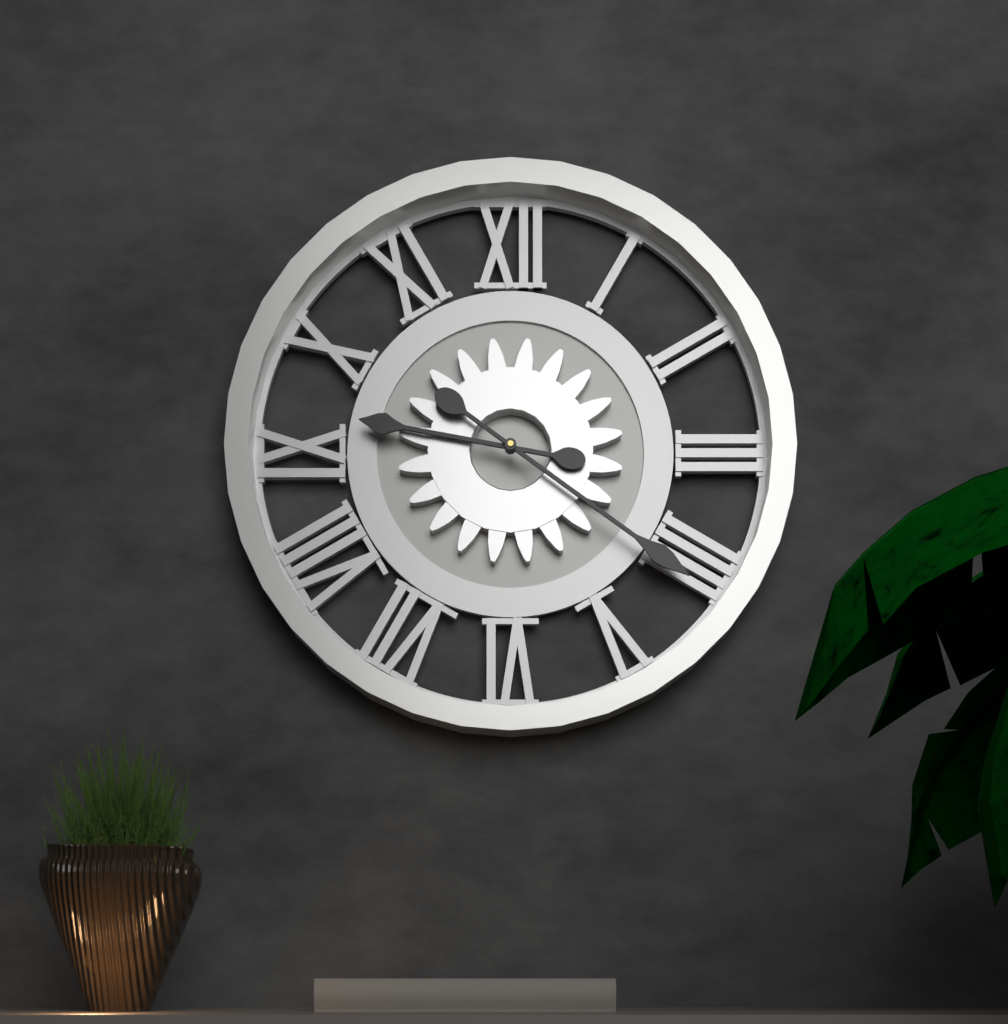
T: 9:21
